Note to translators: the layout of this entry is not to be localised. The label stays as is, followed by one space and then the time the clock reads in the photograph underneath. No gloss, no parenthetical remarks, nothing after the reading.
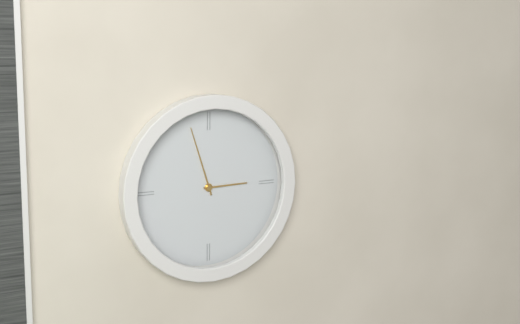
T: 2:57
